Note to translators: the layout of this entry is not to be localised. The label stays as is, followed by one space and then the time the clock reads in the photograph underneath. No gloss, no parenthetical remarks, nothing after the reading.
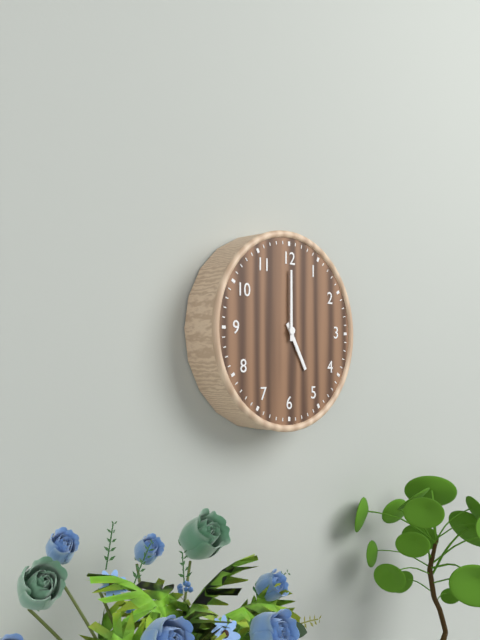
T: 5:00
